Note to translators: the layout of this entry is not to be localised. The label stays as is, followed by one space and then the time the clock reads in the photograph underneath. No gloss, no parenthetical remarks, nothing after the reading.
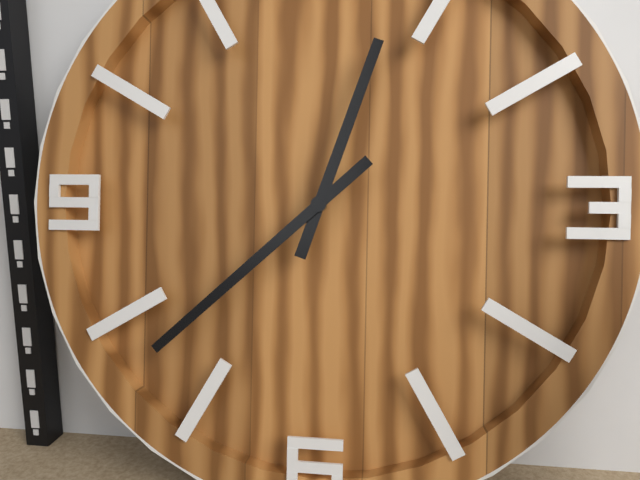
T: 12:38
